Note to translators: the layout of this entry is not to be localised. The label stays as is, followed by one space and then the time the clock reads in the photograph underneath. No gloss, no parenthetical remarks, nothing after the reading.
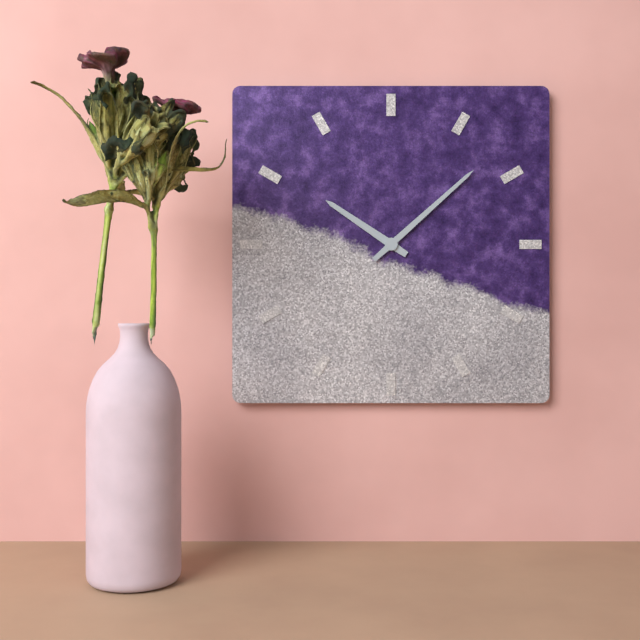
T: 10:08
